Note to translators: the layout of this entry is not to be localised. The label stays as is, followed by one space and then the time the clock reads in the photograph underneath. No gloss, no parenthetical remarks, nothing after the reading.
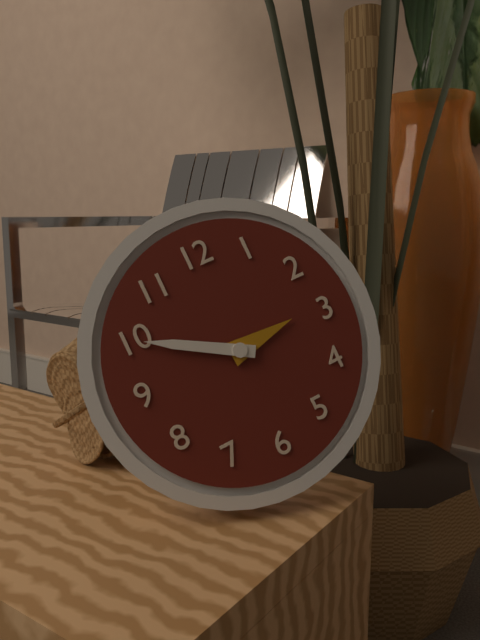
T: 2:50
